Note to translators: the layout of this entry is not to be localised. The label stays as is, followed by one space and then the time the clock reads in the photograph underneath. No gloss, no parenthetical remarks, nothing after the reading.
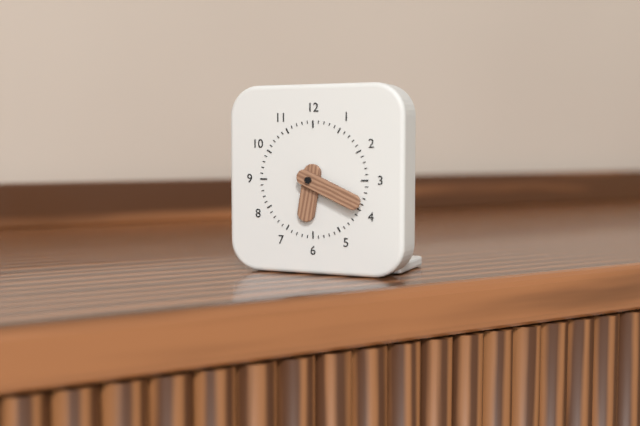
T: 6:19
